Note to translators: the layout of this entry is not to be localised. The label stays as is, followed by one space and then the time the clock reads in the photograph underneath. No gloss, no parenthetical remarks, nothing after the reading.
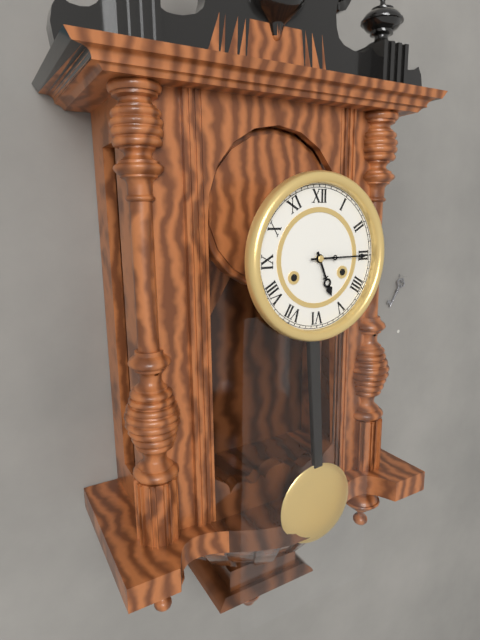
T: 5:15
